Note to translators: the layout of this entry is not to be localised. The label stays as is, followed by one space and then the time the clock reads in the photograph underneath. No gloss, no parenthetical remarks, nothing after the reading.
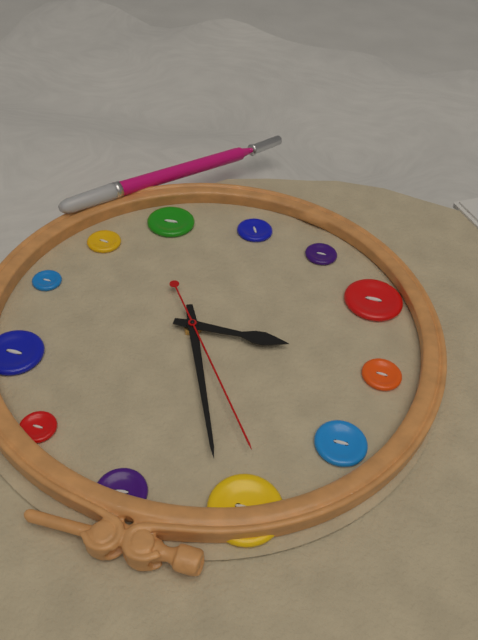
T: 8:56:54
